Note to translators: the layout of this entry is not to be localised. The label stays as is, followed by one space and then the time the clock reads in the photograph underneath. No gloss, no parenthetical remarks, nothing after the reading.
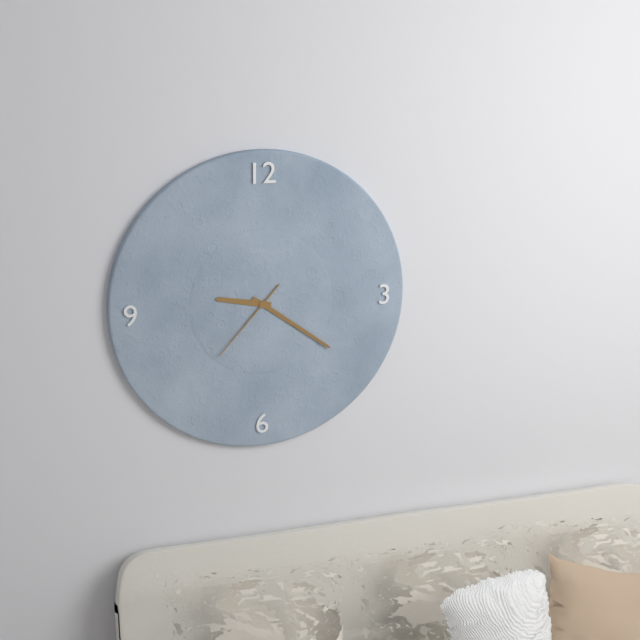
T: 9:21:37
